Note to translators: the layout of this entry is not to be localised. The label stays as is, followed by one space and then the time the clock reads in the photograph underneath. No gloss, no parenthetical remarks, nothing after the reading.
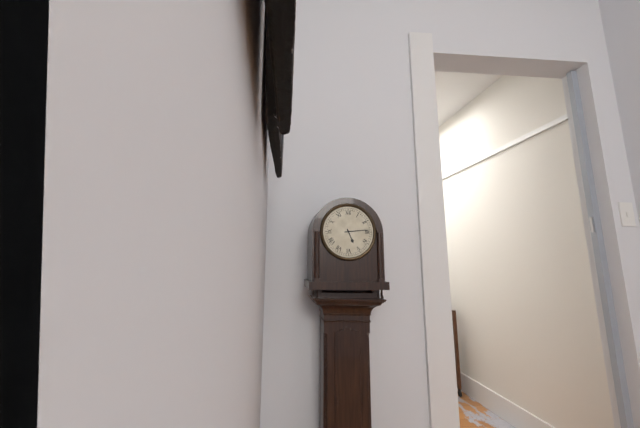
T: 5:14
